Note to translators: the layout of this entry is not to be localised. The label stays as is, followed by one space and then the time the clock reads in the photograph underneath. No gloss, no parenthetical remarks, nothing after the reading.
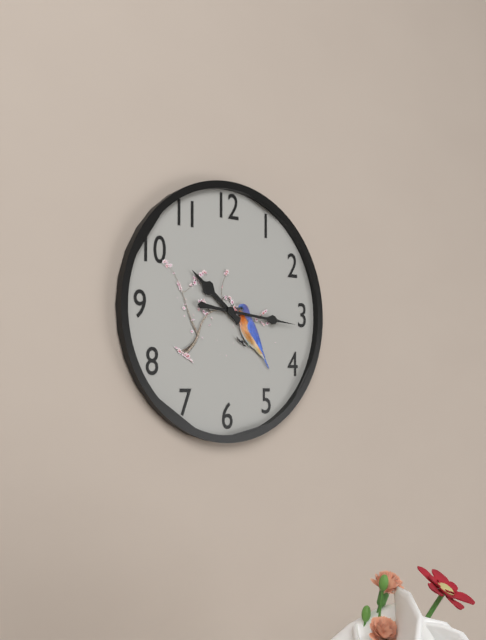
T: 10:16
